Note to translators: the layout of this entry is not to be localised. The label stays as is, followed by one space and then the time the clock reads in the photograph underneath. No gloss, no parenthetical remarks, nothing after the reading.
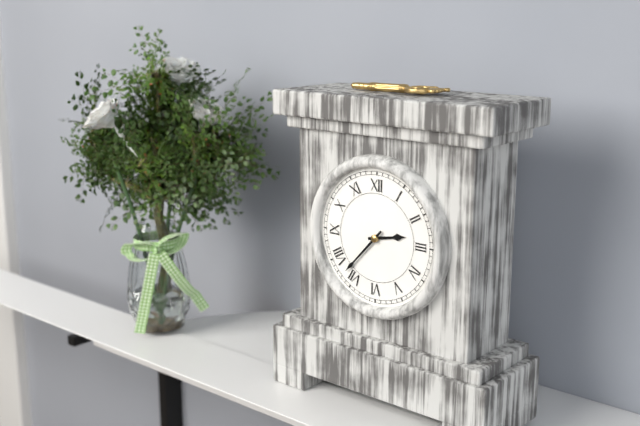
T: 2:37
